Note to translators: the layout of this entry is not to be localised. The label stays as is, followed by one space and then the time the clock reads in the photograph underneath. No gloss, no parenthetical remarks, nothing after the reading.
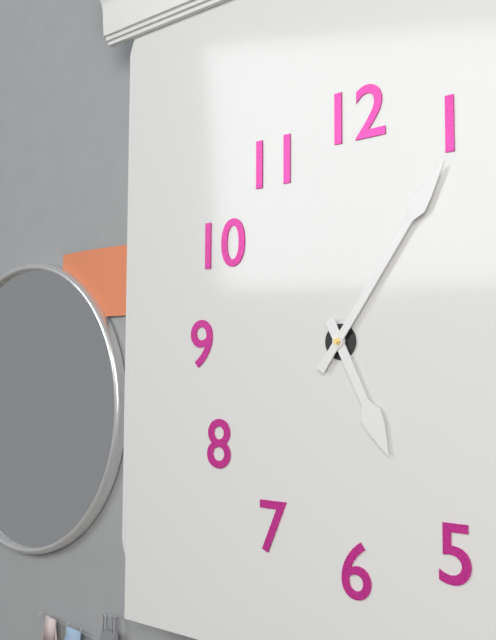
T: 5:06
